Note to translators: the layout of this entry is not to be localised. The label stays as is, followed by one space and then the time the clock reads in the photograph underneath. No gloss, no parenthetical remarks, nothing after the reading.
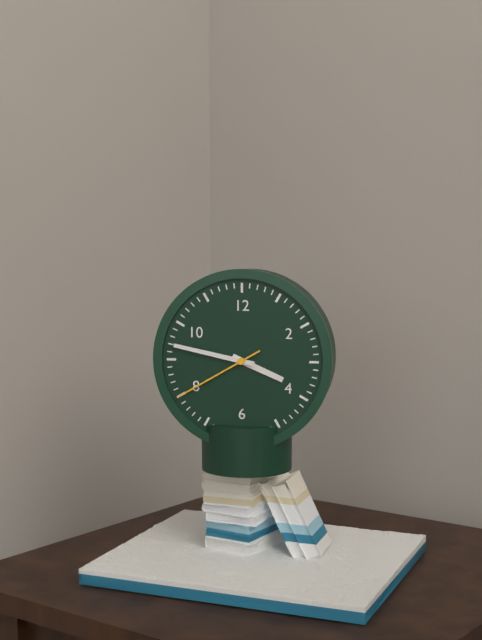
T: 3:47:40
